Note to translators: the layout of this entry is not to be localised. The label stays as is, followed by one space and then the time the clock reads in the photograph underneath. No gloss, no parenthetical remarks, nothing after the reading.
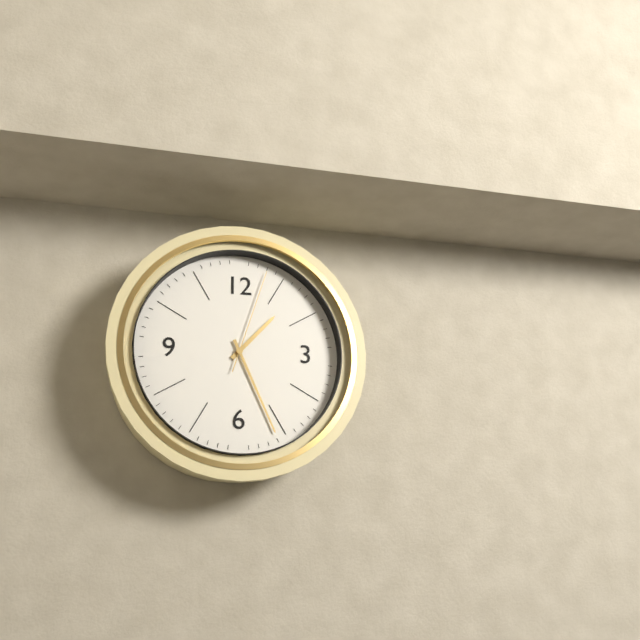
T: 1:26:03
